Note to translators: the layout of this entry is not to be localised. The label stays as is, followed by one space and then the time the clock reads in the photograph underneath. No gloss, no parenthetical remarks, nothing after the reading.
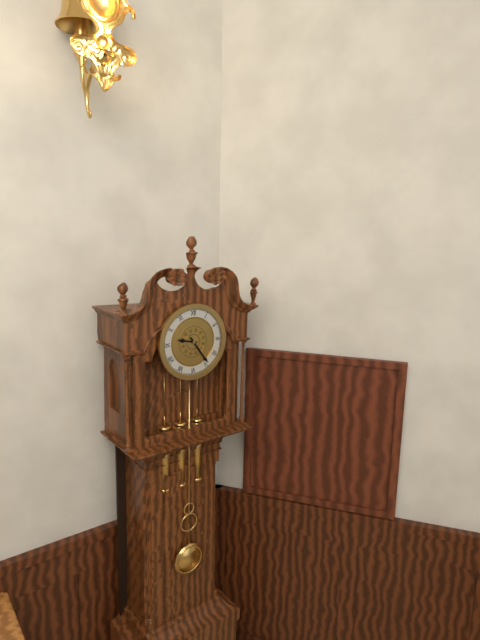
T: 9:24
